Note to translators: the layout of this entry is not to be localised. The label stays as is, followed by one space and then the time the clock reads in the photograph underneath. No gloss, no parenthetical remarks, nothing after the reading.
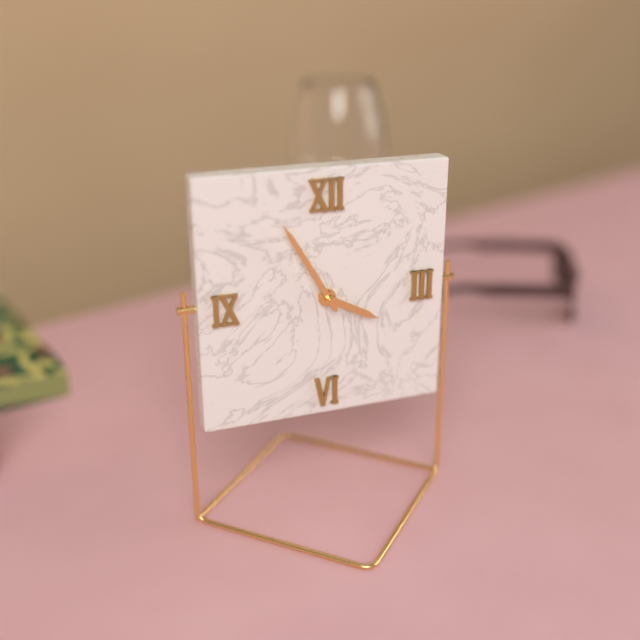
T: 3:55
